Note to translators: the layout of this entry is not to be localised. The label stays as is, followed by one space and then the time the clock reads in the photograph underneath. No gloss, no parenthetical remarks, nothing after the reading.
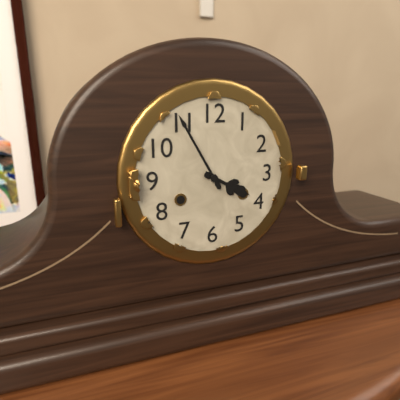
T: 3:55
